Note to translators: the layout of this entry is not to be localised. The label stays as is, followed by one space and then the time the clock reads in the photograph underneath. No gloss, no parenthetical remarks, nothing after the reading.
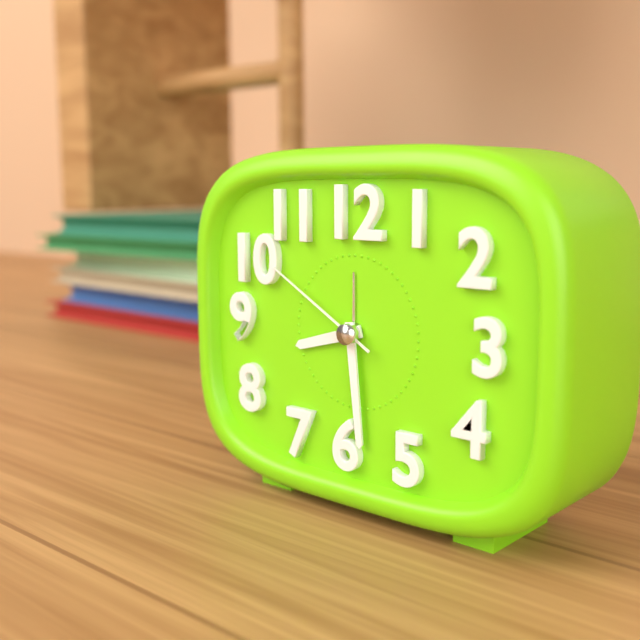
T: 8:29:50
